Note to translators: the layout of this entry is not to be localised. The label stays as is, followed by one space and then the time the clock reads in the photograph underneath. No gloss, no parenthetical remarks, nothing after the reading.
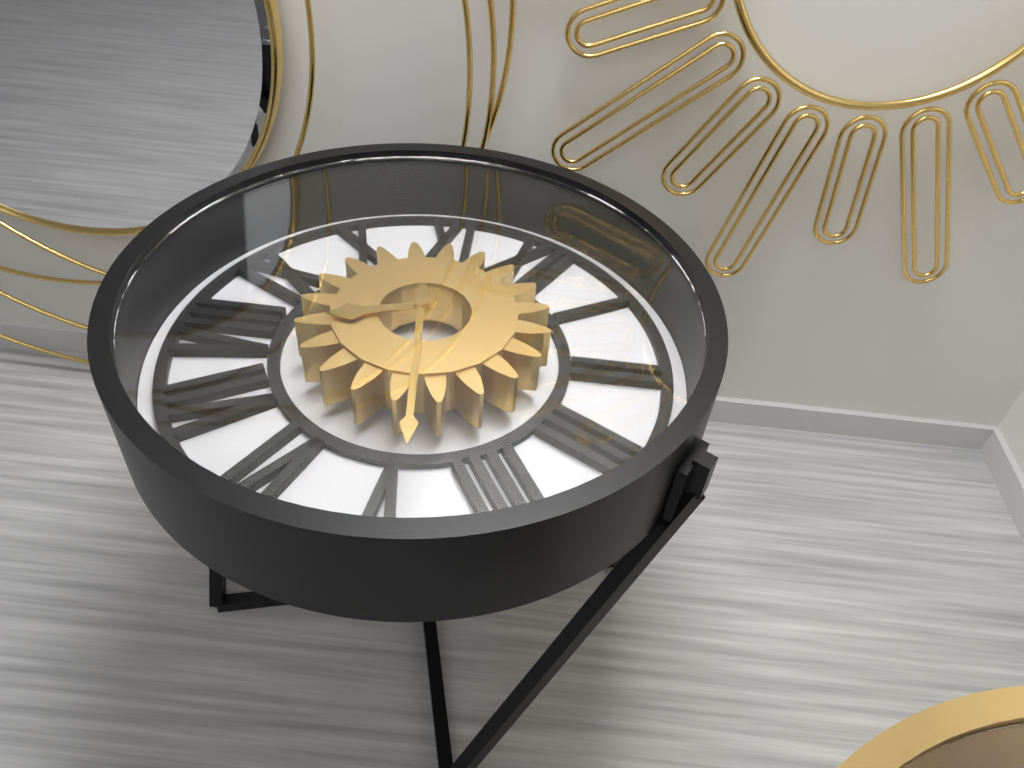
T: 7:24
